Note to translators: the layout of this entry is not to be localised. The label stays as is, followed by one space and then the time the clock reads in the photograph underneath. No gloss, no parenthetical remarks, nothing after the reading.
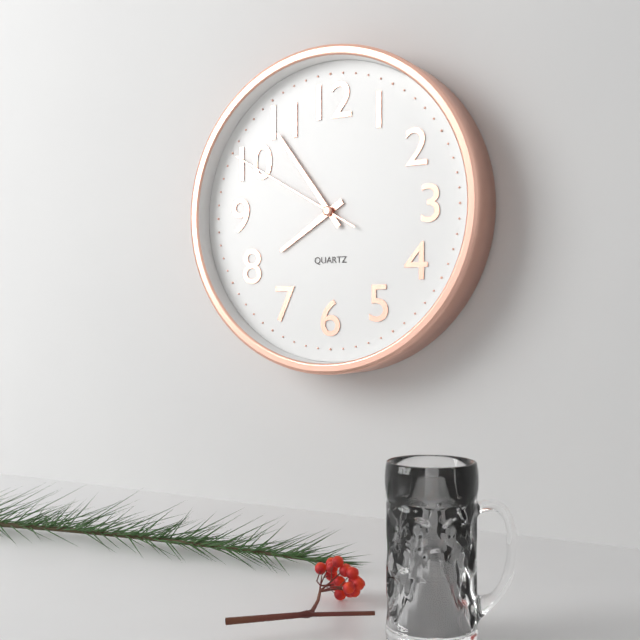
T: 7:54:50
